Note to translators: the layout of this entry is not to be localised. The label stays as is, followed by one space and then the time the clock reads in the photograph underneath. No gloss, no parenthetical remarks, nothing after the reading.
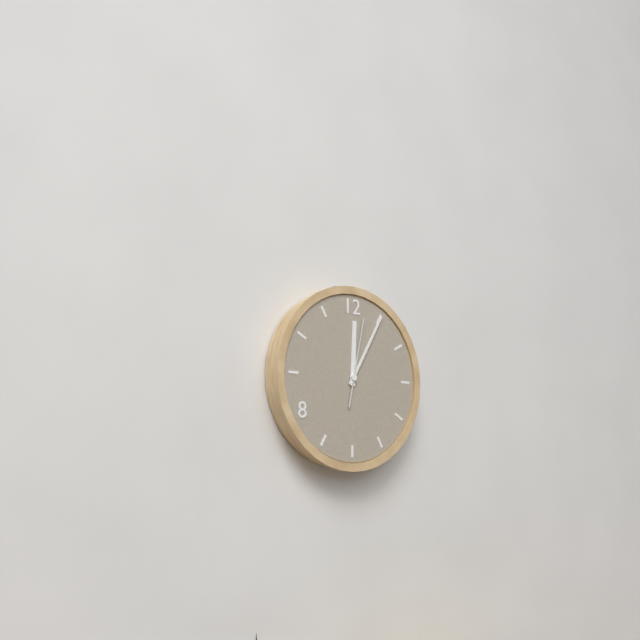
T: 12:05:02
